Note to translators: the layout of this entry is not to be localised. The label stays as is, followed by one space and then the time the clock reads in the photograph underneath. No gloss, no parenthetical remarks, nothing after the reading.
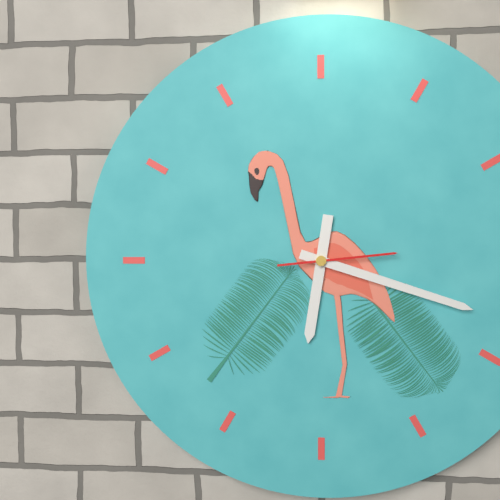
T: 6:18:14
